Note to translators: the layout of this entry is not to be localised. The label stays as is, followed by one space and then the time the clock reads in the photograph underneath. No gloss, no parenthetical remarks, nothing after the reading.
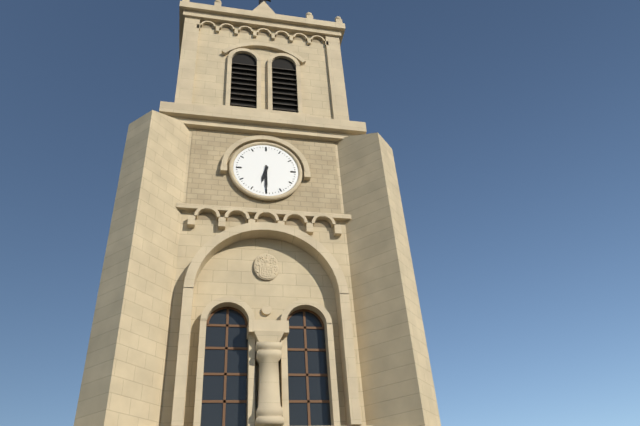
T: 6:30
